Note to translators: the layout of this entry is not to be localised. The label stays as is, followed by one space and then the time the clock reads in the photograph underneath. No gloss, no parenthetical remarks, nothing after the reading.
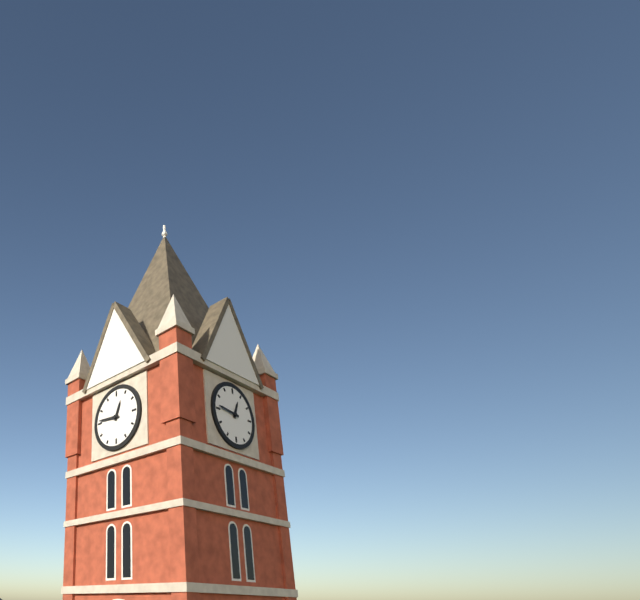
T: 12:46
